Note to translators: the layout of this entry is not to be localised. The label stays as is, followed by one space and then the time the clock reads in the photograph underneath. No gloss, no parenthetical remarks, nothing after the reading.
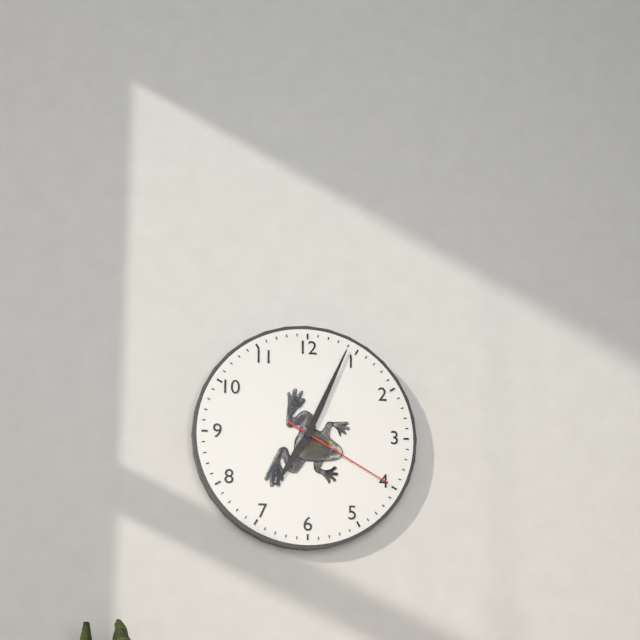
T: 7:04:20
